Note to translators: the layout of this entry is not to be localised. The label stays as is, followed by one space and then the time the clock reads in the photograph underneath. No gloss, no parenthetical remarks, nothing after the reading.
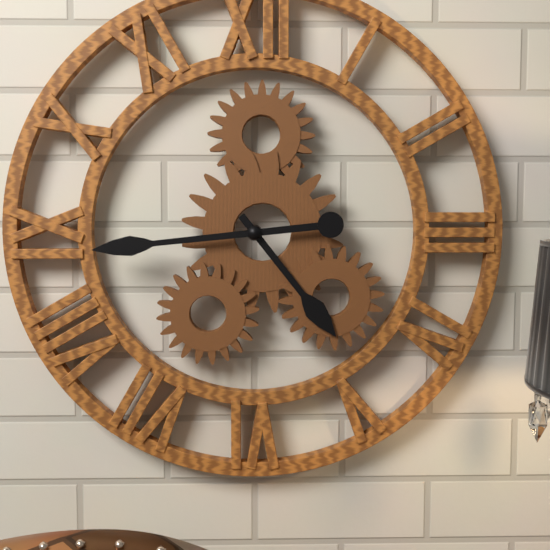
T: 4:44
